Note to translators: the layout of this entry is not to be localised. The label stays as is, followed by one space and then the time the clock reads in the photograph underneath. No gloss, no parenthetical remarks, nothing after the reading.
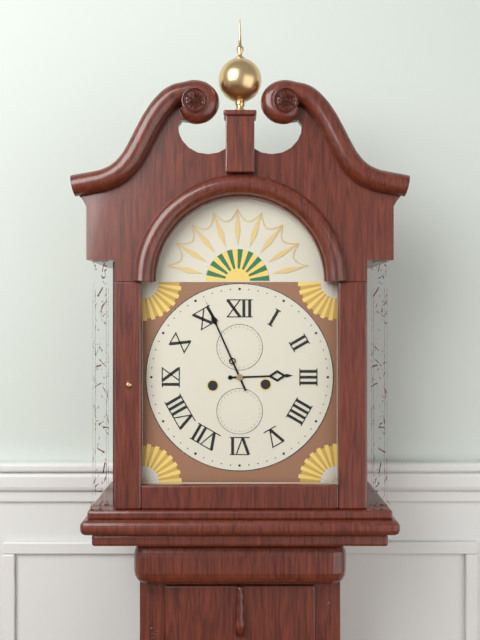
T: 2:56
